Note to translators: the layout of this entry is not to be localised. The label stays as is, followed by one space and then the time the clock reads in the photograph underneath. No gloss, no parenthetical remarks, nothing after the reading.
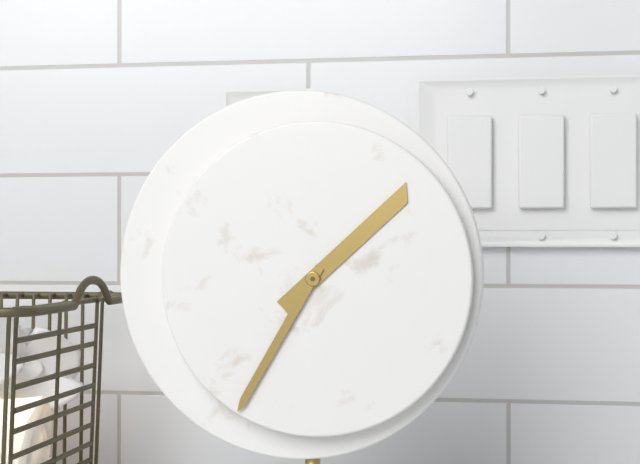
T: 1:35
